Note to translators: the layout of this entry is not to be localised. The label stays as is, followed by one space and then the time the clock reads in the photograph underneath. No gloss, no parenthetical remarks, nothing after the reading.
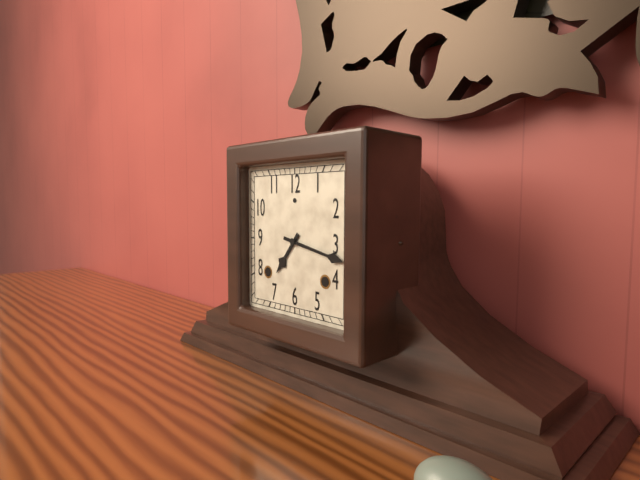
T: 7:17
